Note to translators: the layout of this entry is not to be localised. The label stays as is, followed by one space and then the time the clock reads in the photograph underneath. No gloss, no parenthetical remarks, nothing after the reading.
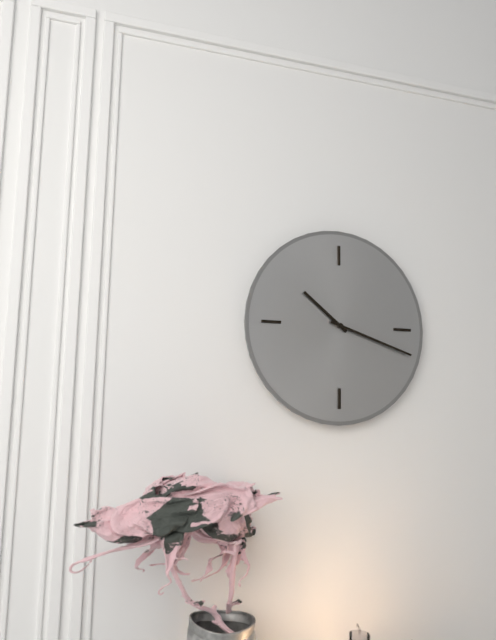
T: 10:18
